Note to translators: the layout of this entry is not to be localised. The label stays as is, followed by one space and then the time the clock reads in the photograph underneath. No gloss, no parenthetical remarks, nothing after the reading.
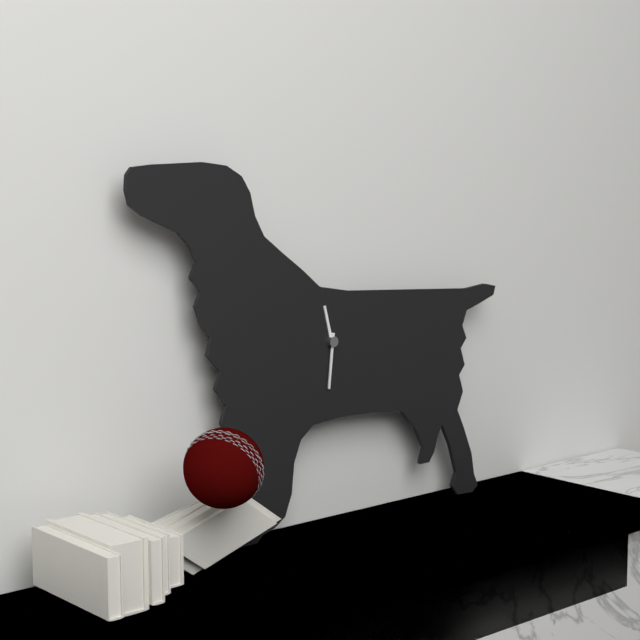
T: 11:31
